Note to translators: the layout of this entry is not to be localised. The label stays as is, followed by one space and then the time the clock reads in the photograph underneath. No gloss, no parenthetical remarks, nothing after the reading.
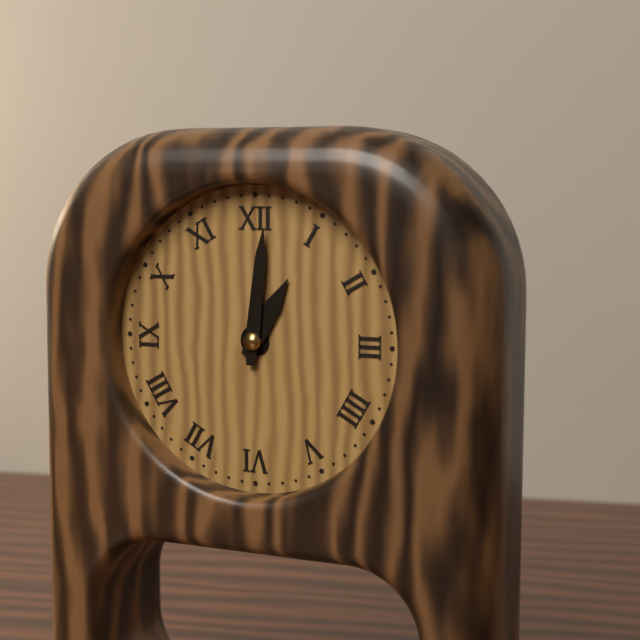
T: 1:01
